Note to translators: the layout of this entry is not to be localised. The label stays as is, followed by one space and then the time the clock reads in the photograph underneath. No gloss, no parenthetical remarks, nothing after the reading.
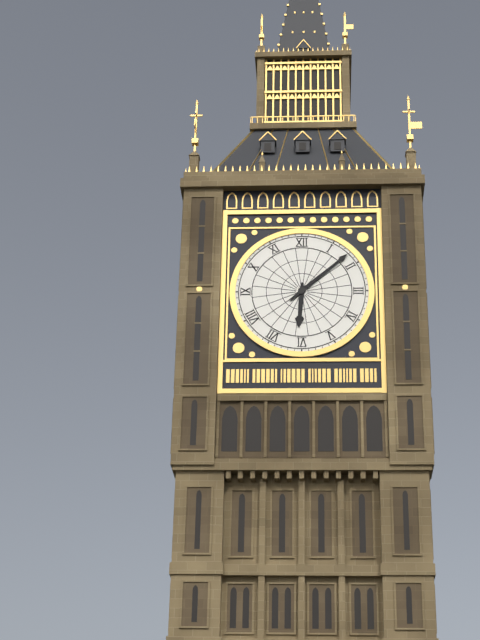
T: 6:08
